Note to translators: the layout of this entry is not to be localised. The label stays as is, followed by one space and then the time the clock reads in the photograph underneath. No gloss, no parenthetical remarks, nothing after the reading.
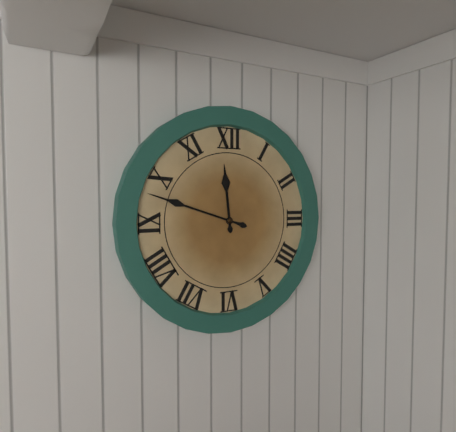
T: 11:48
